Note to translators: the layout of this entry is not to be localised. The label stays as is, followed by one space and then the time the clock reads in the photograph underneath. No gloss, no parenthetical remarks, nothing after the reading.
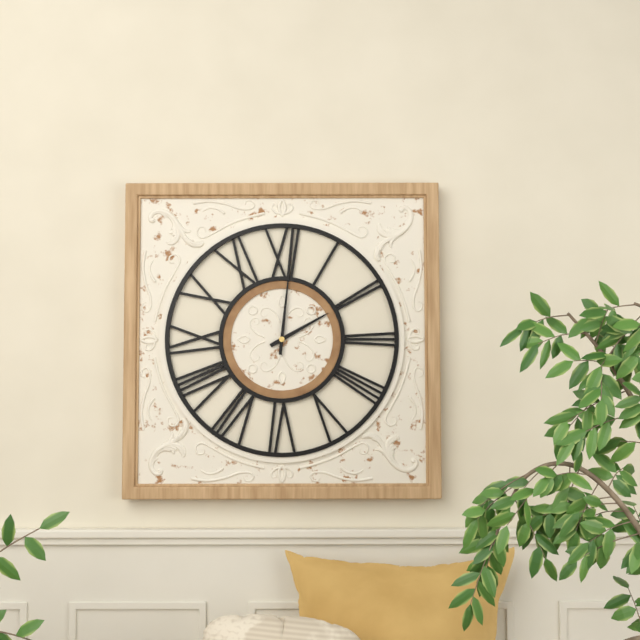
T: 2:01
